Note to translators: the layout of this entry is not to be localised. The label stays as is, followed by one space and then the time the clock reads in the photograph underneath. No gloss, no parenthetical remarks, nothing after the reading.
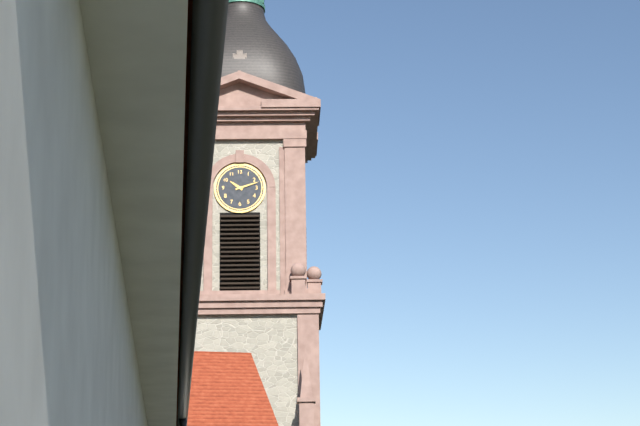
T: 10:12
